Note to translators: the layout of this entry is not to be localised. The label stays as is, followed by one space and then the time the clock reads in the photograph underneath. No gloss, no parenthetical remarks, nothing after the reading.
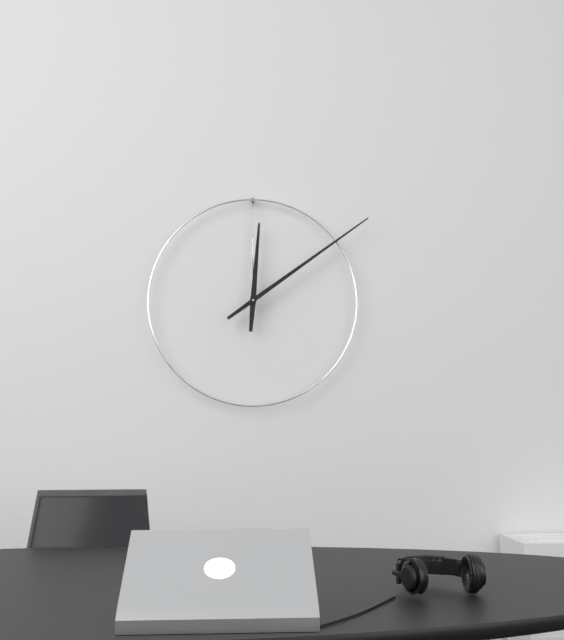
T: 12:09
